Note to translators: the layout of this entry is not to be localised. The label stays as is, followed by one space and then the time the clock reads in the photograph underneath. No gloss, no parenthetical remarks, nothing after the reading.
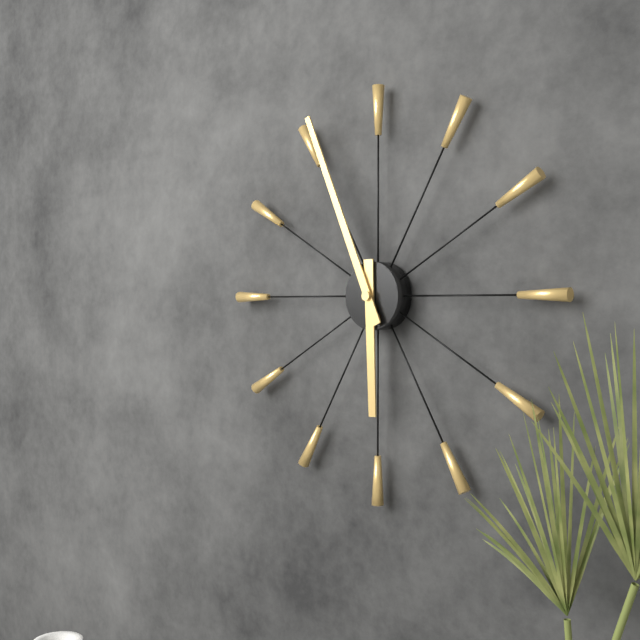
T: 5:56
